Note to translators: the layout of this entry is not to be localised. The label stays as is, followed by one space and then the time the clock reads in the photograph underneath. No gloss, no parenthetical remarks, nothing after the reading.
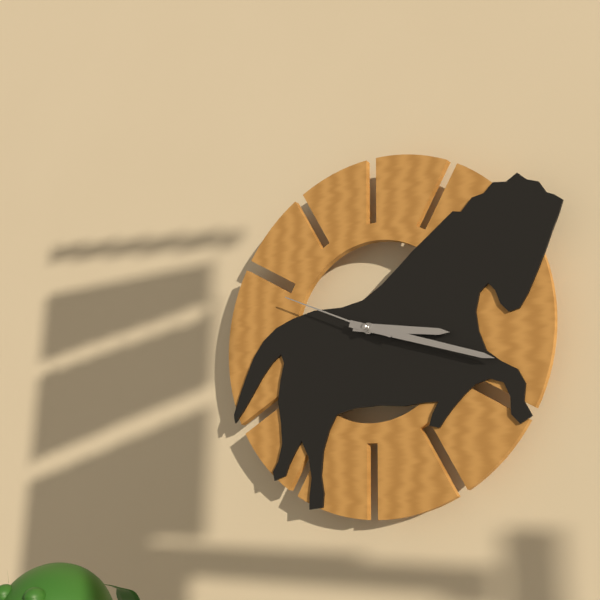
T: 3:18:49
